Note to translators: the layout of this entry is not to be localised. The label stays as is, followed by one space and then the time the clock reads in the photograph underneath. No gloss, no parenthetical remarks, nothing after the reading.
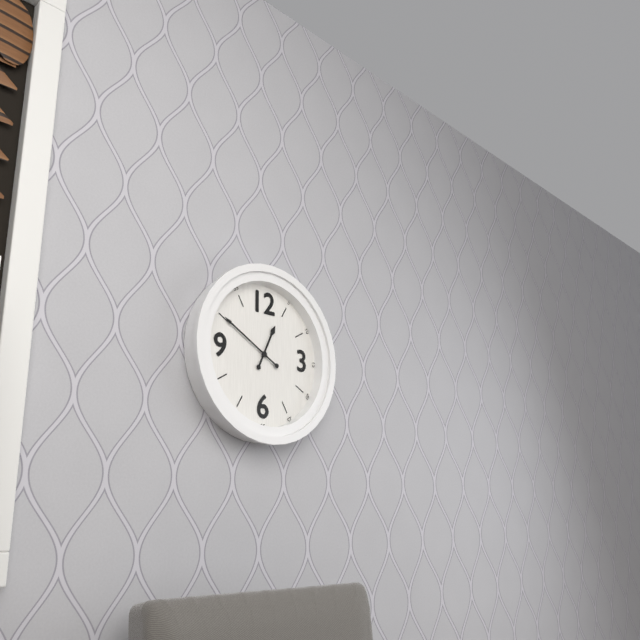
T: 12:50
